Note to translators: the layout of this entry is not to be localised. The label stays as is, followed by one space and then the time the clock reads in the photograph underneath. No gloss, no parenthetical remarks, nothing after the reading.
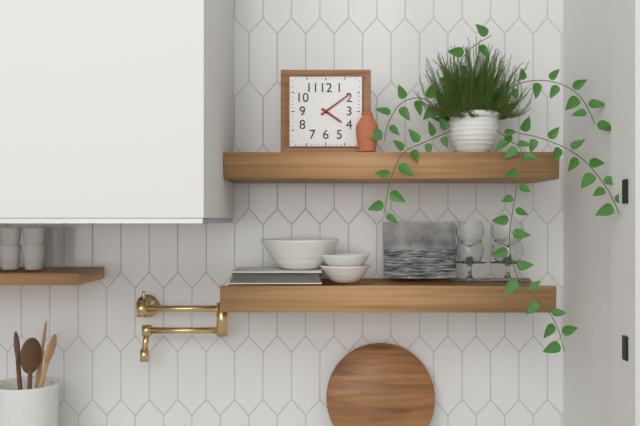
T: 4:09
